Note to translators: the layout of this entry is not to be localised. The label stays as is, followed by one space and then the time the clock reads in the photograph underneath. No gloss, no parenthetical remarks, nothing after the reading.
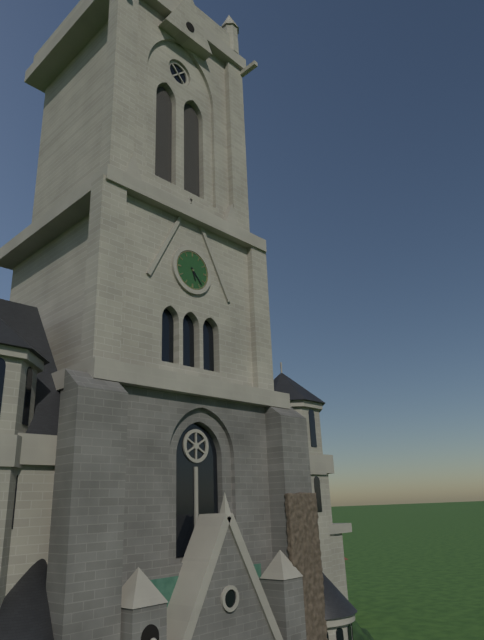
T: 5:23
